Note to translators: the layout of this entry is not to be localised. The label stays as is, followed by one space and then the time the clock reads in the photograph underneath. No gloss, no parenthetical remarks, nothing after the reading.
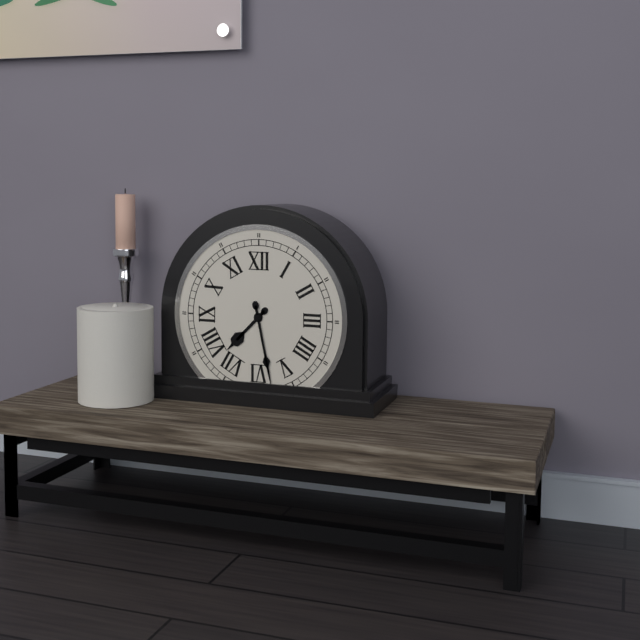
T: 7:28
